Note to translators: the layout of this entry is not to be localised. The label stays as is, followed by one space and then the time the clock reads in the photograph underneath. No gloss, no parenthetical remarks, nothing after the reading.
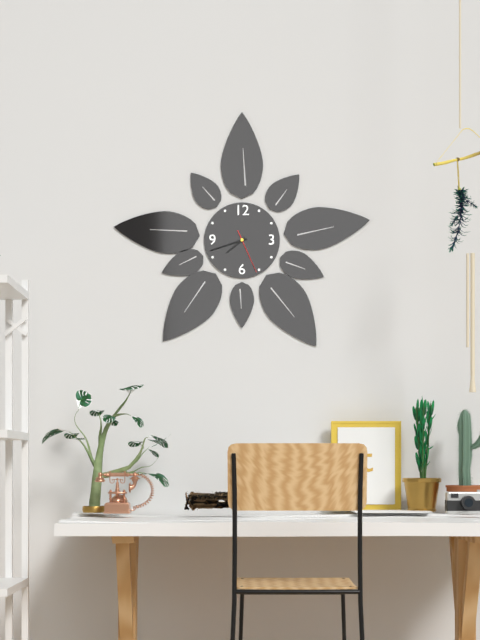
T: 7:42
